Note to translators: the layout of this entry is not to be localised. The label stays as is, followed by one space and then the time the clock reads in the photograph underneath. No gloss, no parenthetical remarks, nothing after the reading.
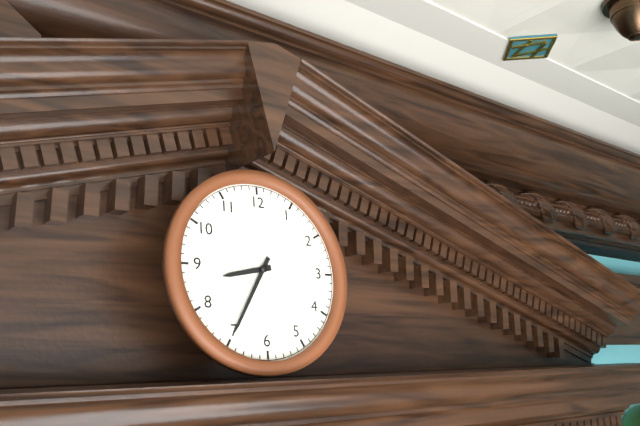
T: 8:35
